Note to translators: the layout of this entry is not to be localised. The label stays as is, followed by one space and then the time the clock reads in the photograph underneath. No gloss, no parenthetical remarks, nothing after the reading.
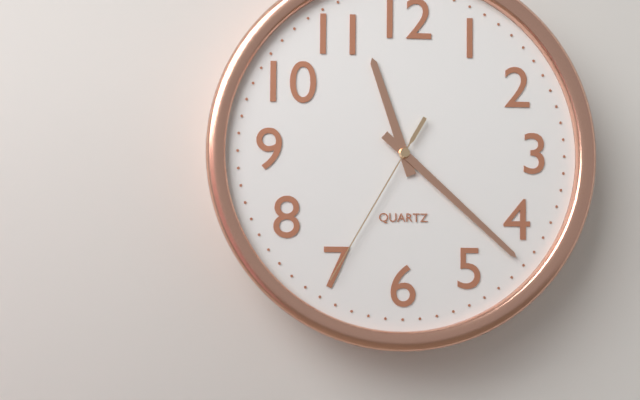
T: 11:22:35
